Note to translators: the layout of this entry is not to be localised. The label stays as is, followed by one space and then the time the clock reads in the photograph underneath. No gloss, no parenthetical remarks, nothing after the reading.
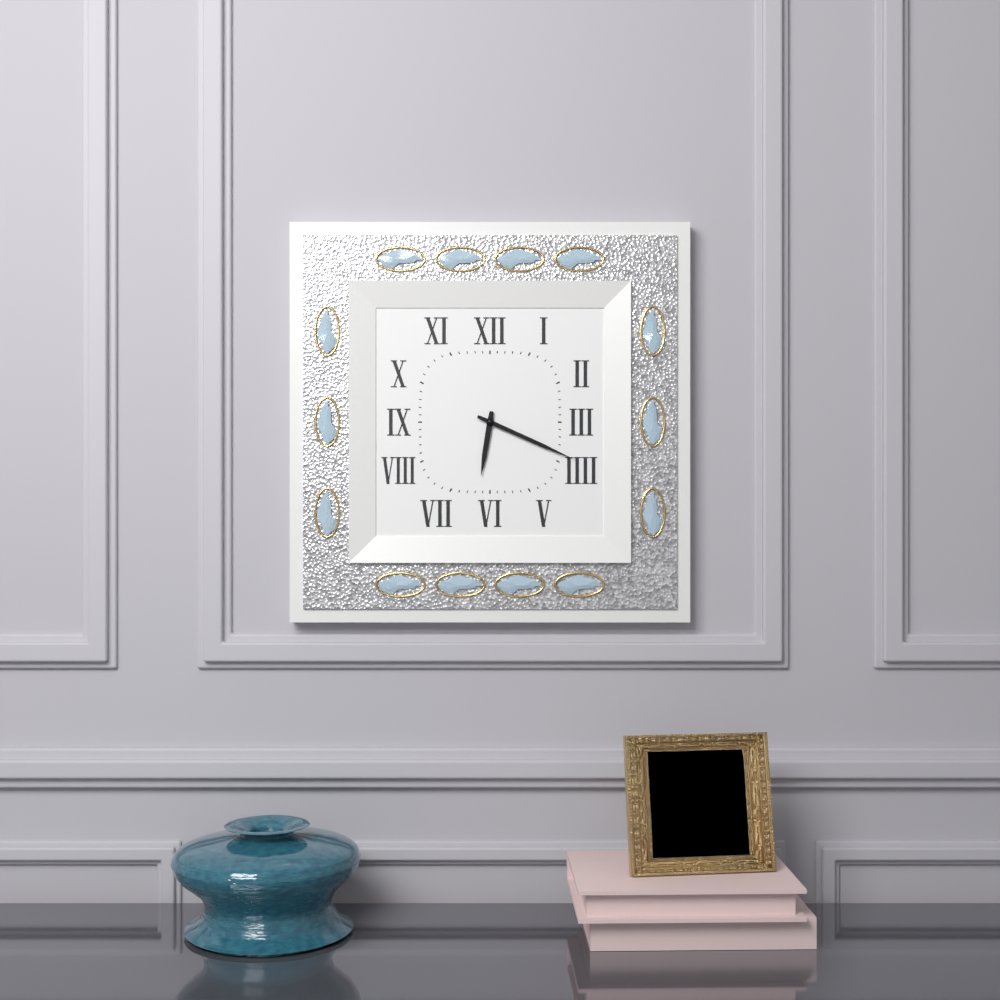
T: 6:19
